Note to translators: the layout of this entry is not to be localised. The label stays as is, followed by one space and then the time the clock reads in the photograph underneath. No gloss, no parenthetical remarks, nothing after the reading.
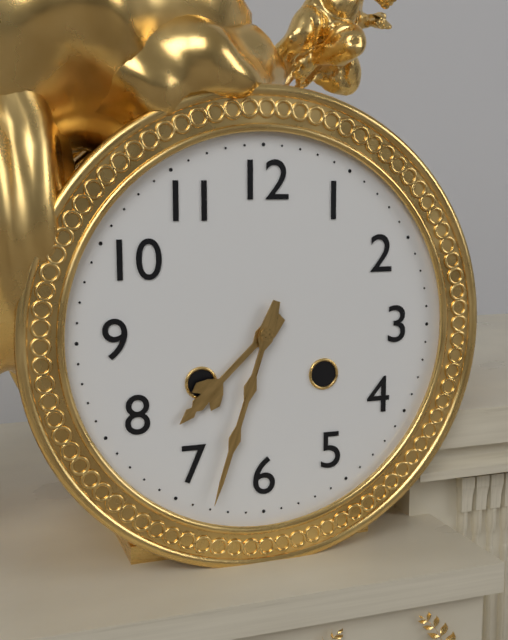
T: 7:33
